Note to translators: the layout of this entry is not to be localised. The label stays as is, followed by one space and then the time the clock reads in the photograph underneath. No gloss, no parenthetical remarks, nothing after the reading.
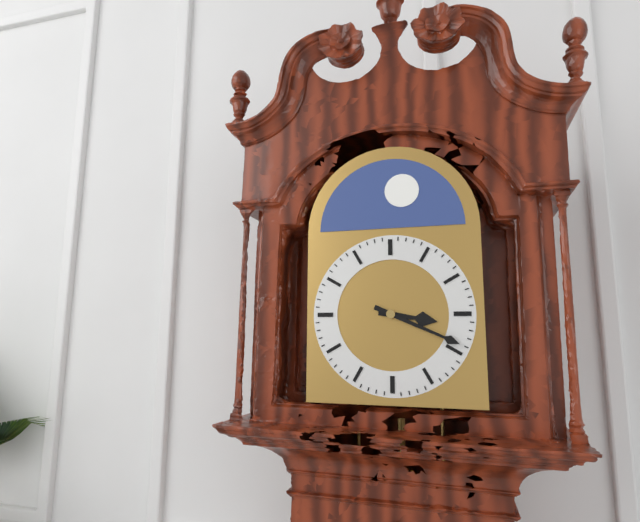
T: 3:19
